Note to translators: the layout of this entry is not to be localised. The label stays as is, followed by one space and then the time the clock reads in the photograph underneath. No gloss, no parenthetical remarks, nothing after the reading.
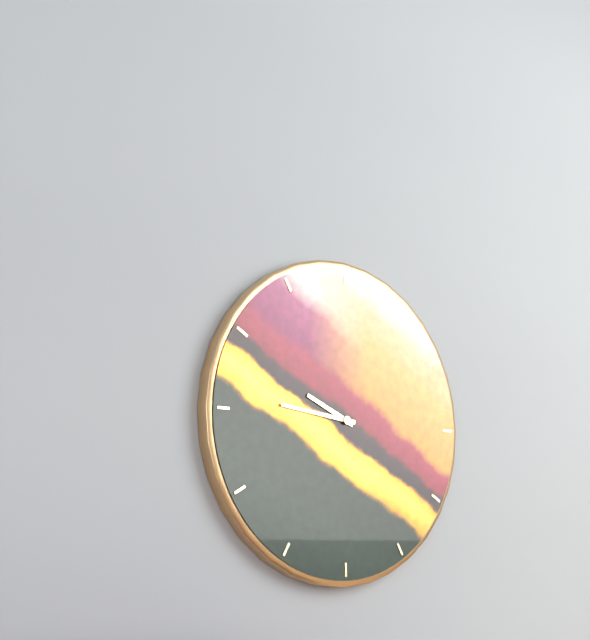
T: 9:46
